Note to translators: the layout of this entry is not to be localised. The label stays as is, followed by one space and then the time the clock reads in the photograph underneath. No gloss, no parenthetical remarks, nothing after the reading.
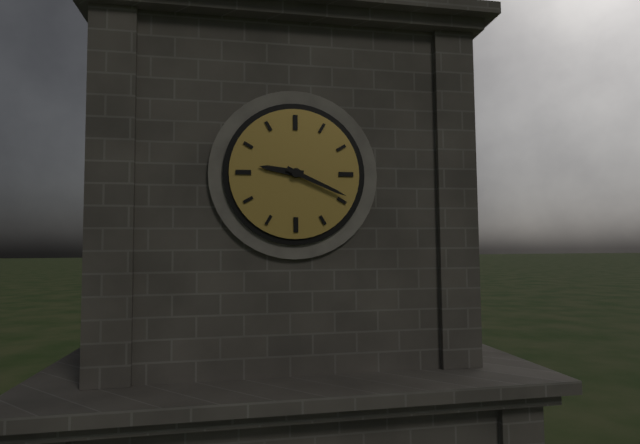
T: 9:19
